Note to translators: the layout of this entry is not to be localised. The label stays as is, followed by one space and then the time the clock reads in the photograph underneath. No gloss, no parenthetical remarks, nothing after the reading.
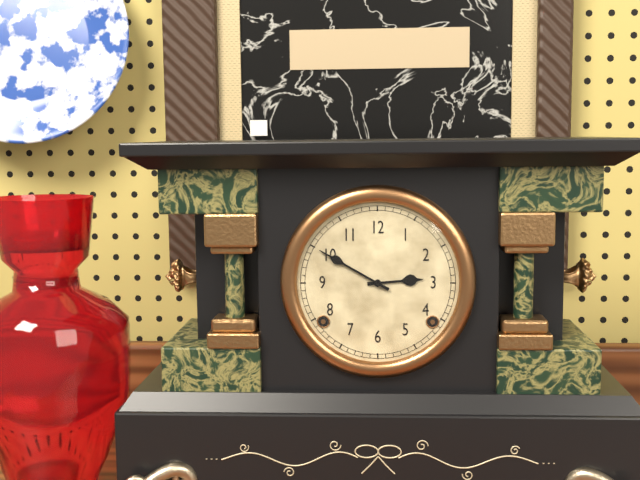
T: 2:50
